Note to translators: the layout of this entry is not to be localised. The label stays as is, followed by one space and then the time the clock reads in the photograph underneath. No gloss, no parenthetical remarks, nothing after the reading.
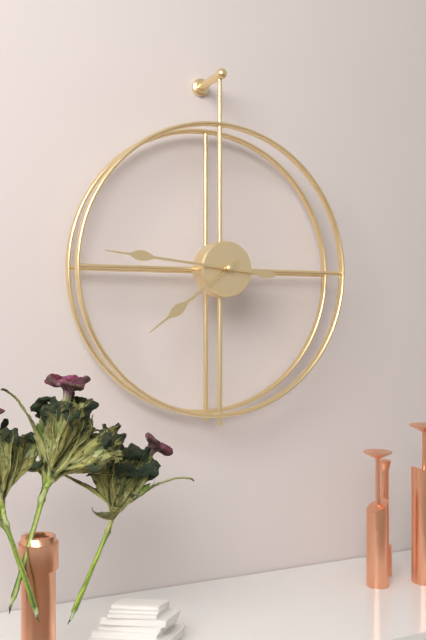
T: 7:46
